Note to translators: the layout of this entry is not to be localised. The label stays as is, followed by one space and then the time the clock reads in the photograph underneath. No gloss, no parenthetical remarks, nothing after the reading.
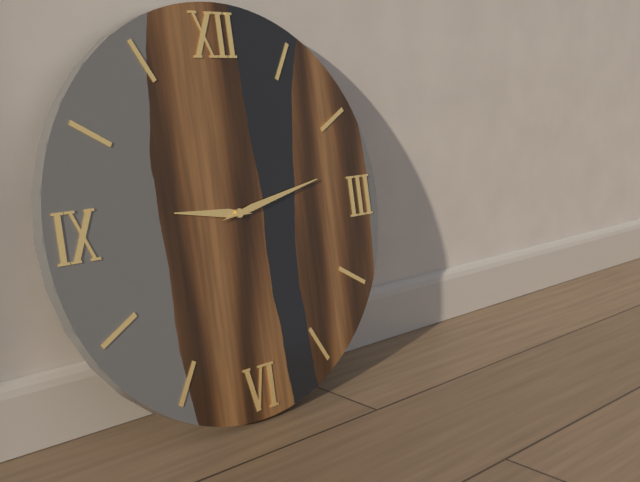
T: 9:13
